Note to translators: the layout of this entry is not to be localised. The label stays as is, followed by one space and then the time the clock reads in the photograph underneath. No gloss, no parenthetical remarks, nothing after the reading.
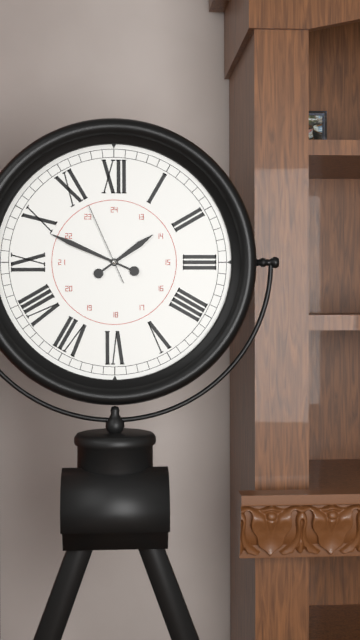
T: 1:49:56
